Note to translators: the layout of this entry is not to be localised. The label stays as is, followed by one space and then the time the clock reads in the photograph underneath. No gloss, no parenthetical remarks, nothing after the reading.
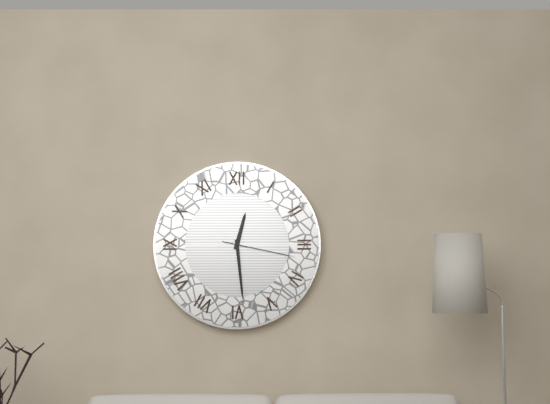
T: 12:29:17
